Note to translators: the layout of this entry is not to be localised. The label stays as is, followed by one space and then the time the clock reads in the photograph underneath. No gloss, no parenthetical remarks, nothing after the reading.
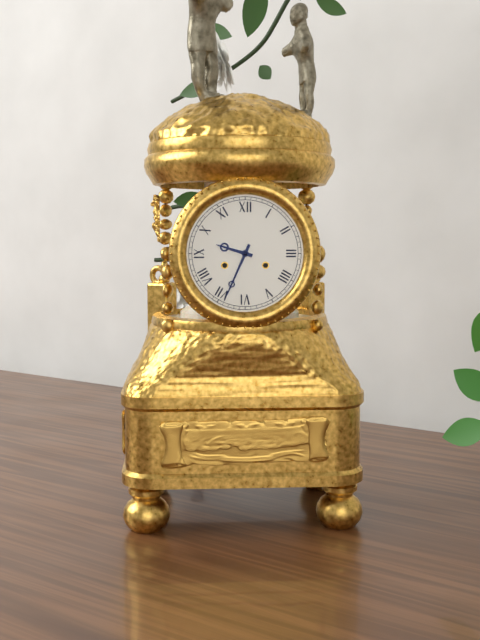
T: 9:34
